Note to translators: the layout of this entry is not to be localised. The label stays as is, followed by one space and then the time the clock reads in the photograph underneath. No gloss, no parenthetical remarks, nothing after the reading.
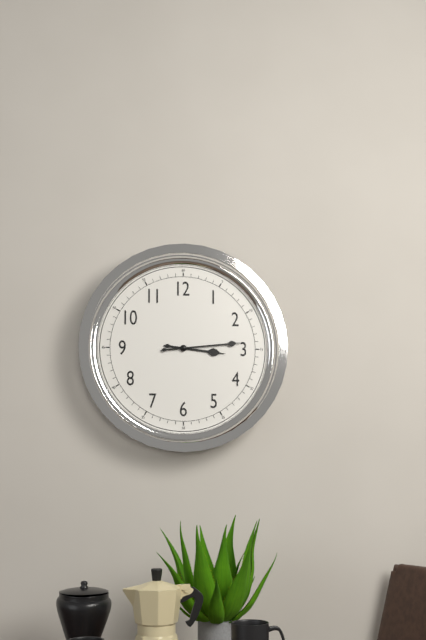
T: 3:14
